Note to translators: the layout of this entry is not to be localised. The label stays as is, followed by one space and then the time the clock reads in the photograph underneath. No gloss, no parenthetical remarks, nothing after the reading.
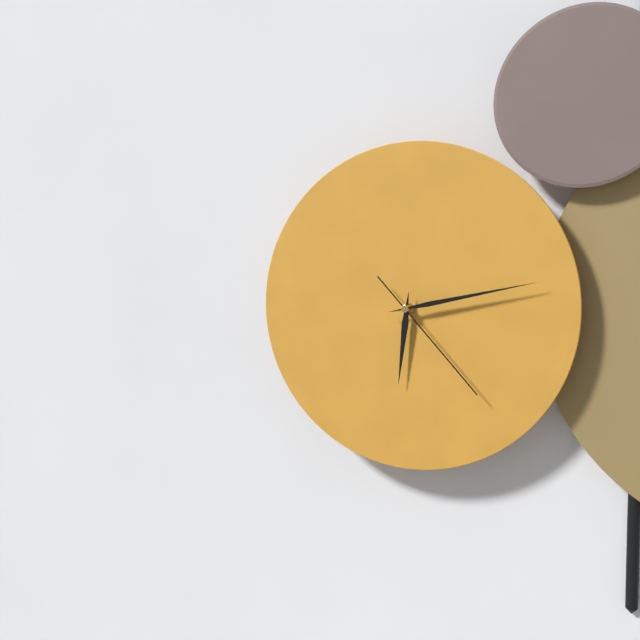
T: 6:13:23
